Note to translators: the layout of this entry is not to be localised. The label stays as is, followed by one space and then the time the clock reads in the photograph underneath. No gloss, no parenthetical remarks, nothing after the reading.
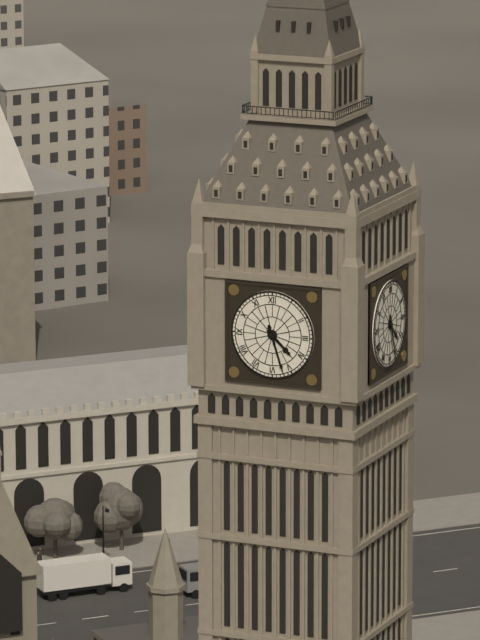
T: 4:27
